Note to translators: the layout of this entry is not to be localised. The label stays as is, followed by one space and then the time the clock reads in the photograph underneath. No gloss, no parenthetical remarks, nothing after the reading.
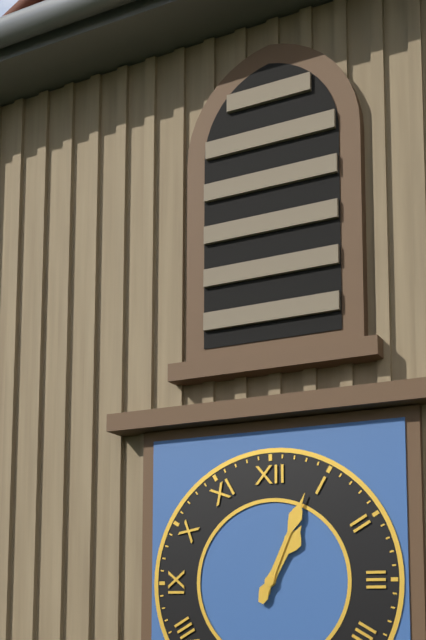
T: 1:04
